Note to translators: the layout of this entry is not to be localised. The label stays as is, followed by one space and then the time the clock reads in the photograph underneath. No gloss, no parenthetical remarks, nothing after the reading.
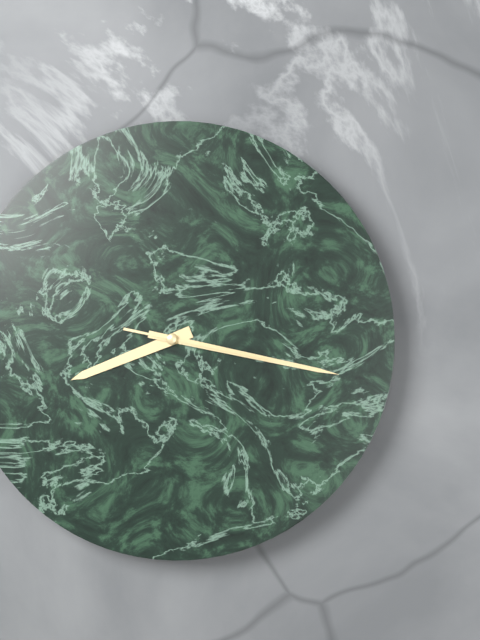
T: 8:17:17
